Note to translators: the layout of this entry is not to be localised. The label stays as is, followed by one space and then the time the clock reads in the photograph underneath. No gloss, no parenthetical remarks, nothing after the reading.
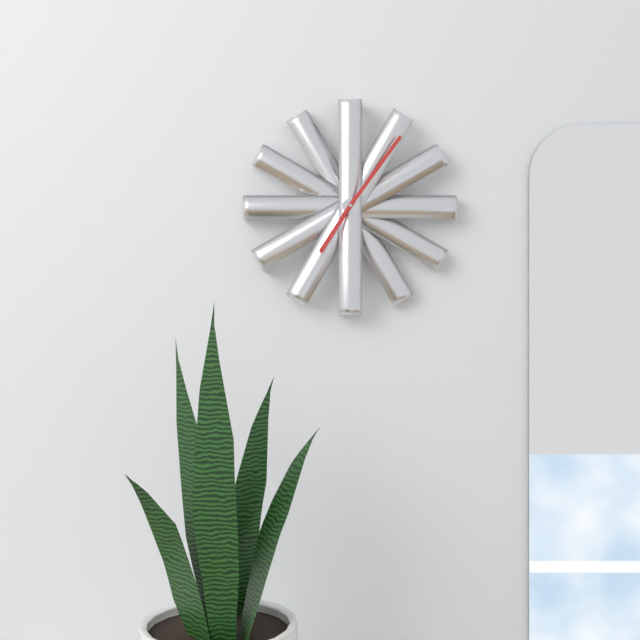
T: 7:06
